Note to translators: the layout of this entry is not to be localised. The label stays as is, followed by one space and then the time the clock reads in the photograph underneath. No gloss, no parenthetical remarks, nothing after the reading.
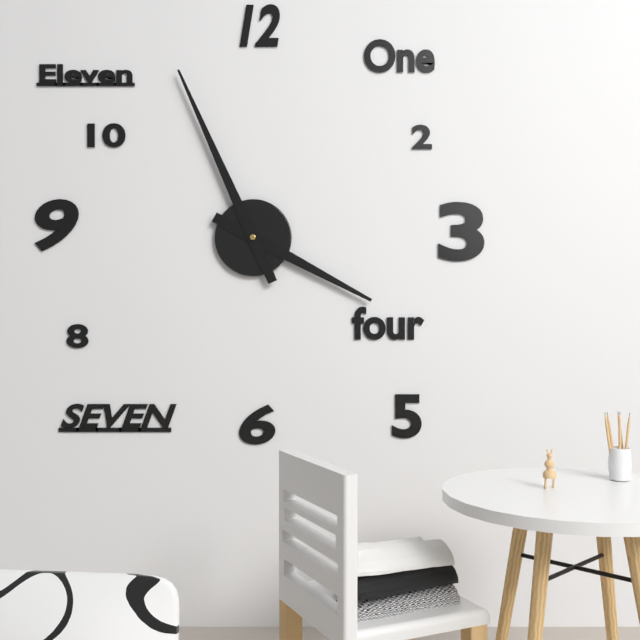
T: 3:56
